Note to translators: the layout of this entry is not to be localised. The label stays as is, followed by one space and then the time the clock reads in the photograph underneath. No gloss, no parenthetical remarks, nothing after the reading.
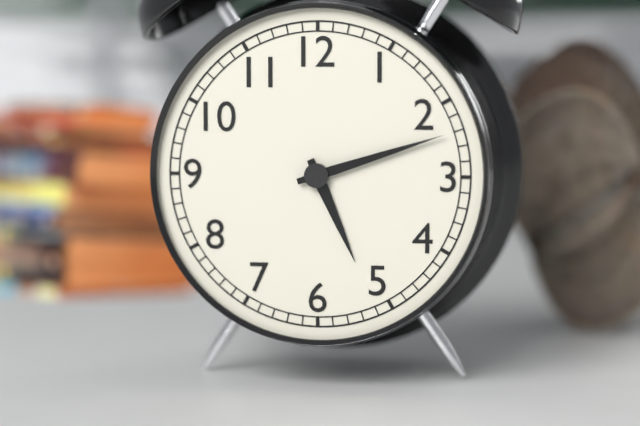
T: 5:12
